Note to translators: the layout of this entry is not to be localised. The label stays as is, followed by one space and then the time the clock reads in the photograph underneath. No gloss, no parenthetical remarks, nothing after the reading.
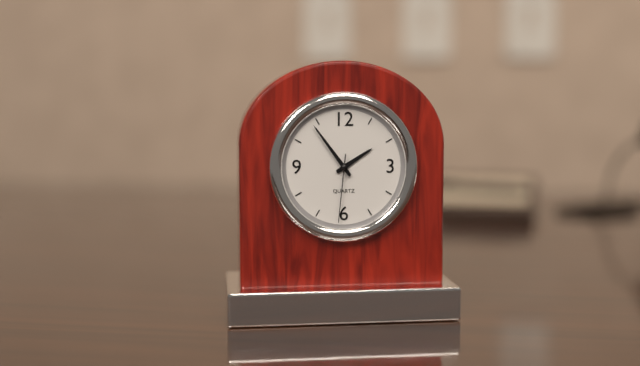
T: 1:54:31
